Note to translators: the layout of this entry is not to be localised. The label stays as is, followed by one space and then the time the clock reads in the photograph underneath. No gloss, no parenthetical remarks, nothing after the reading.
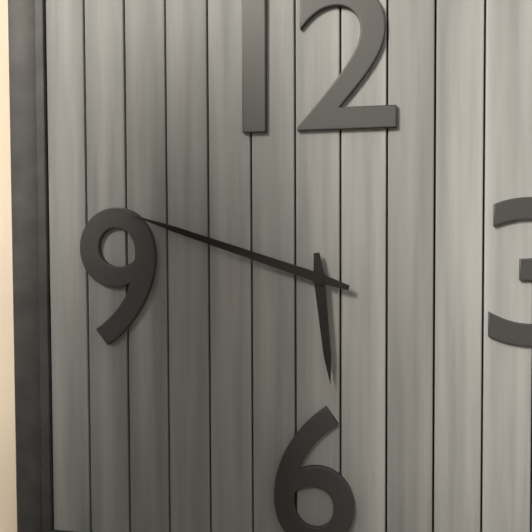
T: 5:48
